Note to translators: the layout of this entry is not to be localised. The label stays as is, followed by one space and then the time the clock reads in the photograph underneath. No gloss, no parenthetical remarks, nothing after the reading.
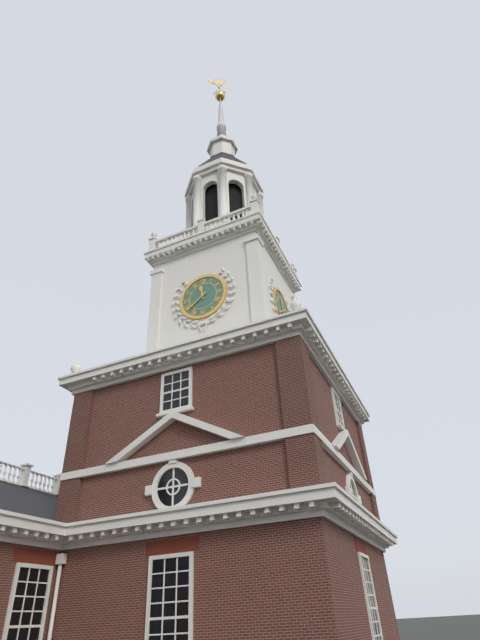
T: 11:39
